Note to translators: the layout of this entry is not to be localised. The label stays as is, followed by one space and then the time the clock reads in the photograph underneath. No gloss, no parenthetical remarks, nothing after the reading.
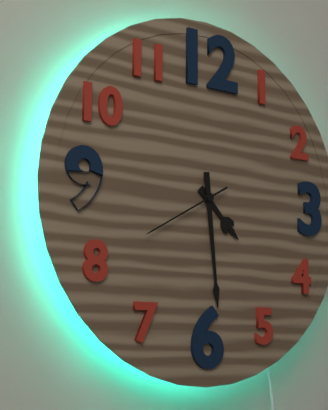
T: 4:29:40
